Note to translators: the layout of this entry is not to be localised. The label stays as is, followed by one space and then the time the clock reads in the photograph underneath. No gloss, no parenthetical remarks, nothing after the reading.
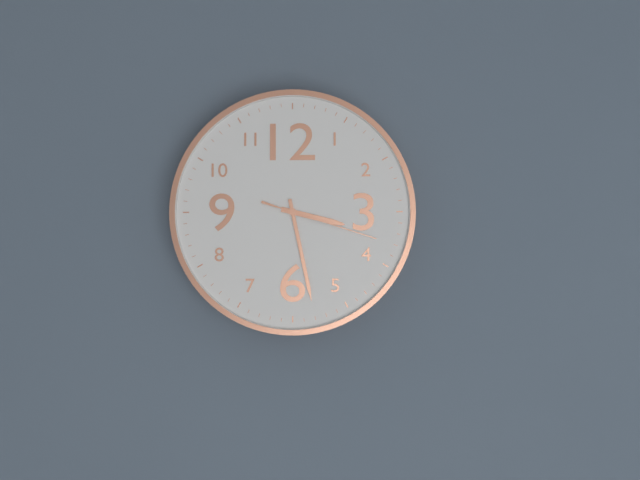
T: 3:28:18
